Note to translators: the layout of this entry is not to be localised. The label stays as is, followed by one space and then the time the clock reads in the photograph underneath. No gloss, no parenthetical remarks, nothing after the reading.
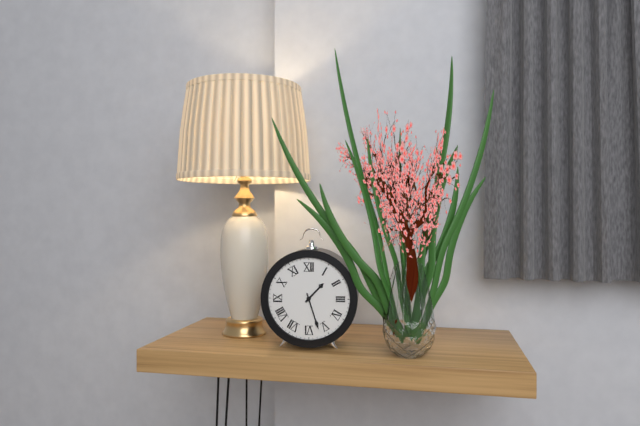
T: 1:27
